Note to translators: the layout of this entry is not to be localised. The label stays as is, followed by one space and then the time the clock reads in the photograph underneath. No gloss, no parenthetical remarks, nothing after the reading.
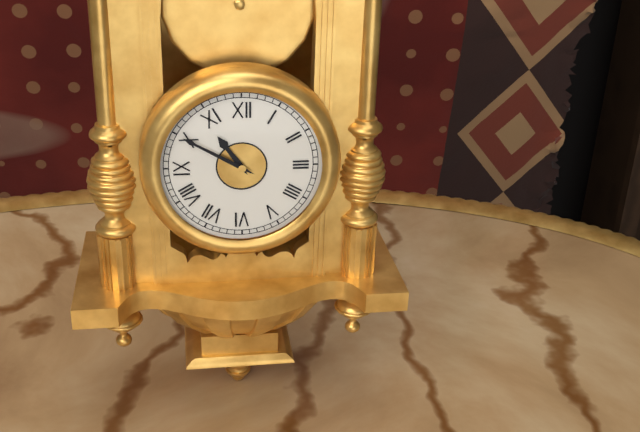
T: 10:50
